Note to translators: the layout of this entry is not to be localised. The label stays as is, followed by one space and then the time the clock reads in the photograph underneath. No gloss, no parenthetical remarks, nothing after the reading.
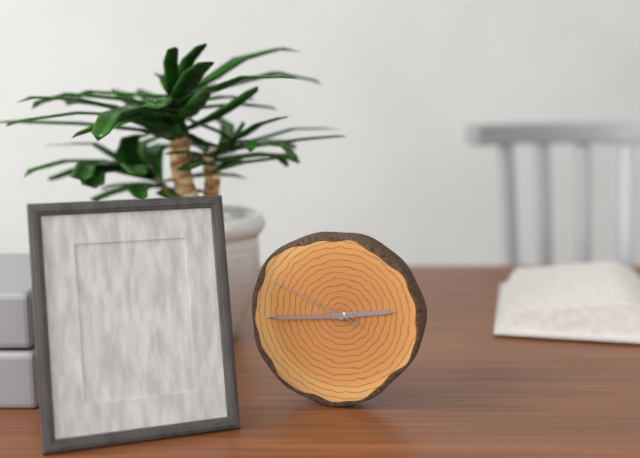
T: 2:44:49
